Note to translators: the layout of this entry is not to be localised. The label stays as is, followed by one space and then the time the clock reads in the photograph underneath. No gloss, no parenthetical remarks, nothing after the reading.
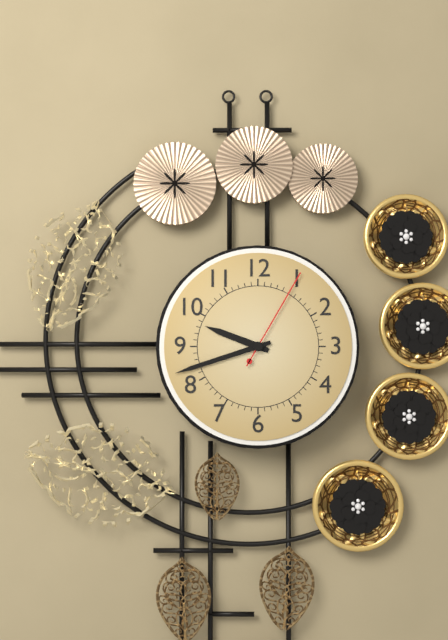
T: 9:42:05
